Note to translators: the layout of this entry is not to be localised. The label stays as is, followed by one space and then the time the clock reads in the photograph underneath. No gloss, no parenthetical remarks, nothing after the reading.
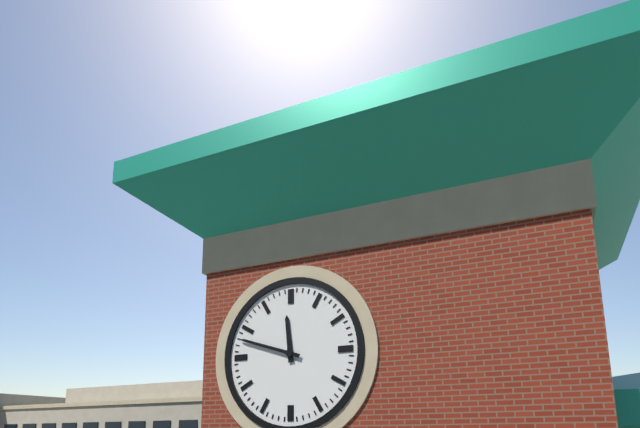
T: 11:48
